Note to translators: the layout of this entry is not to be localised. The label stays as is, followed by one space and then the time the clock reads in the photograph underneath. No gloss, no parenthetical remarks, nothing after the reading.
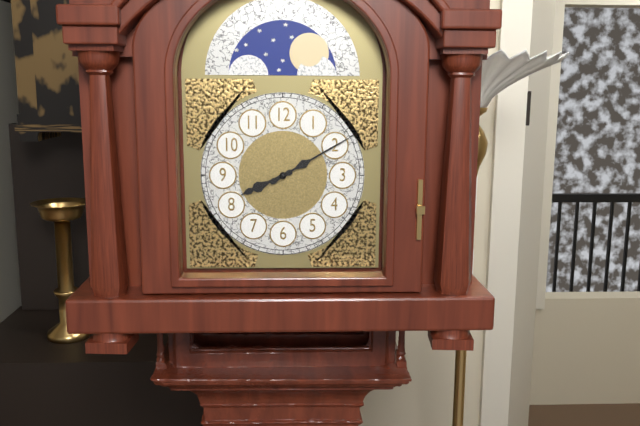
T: 8:10
